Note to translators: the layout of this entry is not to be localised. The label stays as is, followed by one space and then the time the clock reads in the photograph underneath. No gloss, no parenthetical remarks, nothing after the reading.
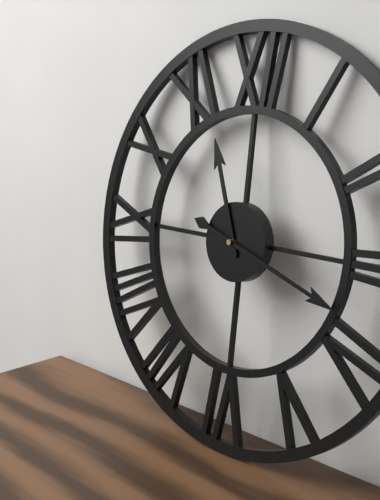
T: 11:18
